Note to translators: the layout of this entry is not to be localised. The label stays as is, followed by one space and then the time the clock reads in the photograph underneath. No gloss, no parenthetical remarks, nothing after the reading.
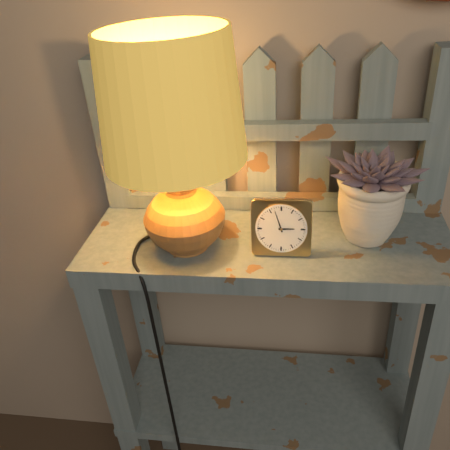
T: 2:57
